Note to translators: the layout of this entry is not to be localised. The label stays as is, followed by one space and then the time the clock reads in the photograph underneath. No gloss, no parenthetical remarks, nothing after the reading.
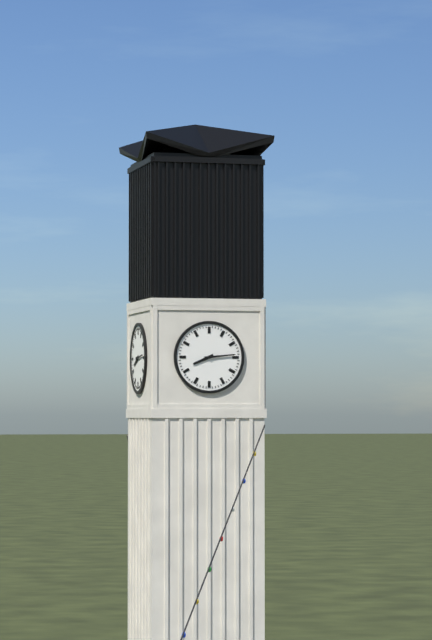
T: 8:14
